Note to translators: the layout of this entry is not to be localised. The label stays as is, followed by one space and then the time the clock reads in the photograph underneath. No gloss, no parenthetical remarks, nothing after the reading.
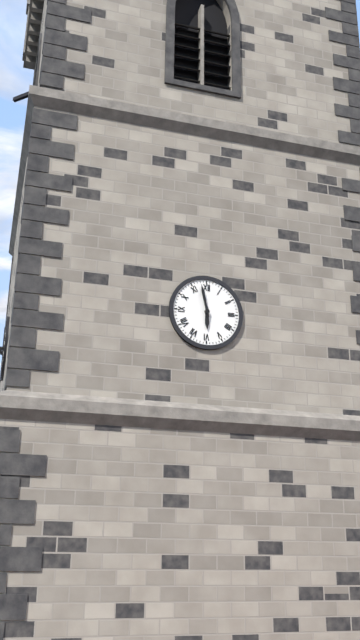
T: 5:58
